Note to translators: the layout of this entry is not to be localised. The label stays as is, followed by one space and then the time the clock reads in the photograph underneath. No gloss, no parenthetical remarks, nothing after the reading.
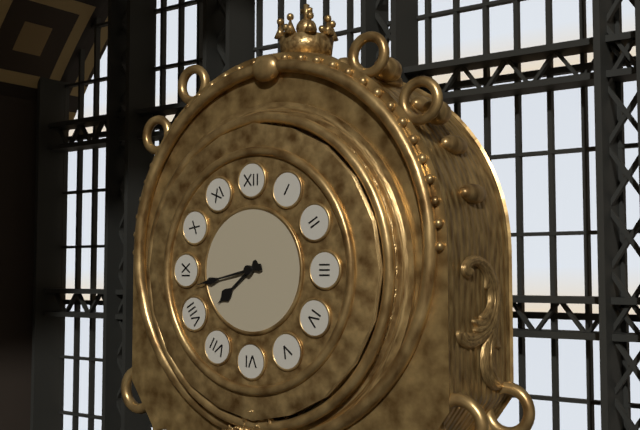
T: 7:43
